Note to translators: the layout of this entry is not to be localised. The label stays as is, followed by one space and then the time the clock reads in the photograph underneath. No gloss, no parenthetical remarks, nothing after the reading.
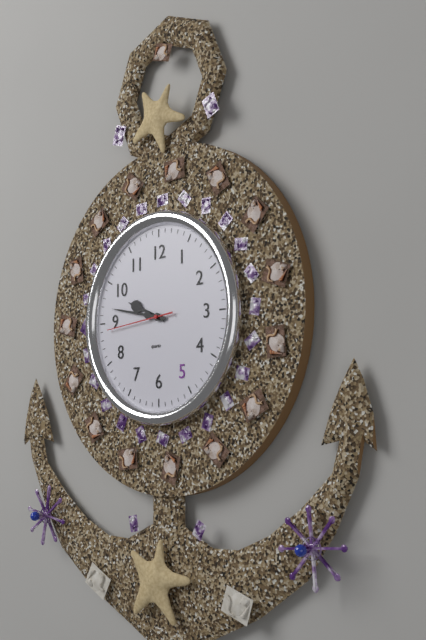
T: 9:47:44
